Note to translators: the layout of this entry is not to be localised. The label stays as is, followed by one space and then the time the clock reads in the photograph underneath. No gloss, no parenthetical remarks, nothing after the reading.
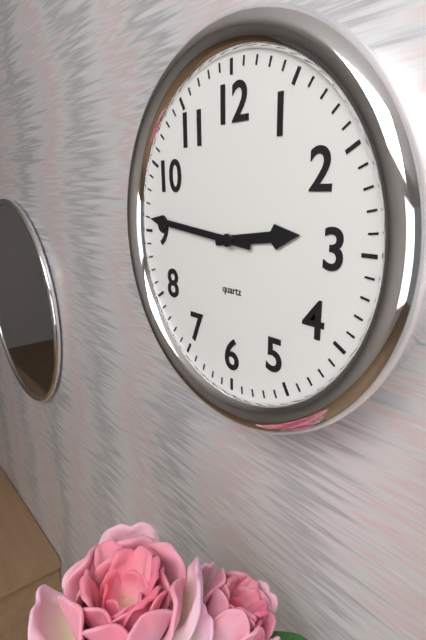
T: 2:46
